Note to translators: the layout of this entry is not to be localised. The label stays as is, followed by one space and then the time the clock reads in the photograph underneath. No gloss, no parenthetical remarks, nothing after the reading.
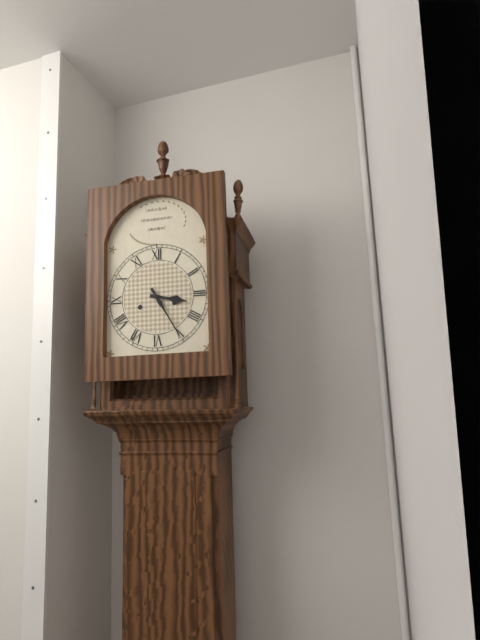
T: 3:25
